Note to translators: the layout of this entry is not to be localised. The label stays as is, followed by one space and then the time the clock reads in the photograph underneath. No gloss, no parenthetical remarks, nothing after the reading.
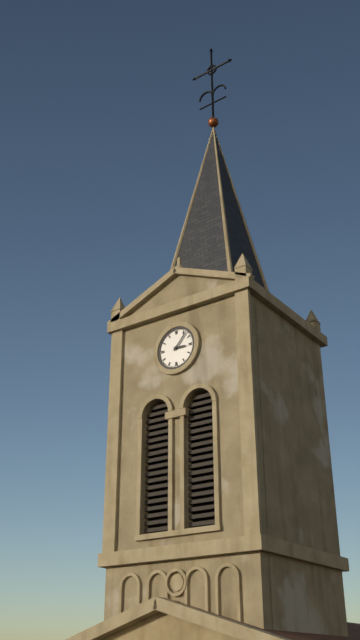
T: 3:07
